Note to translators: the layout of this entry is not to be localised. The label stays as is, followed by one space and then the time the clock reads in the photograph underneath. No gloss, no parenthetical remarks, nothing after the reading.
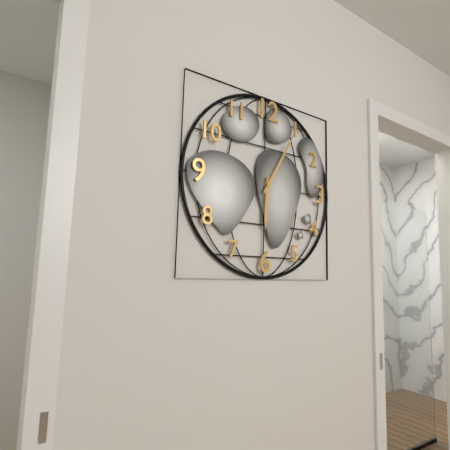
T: 6:05
